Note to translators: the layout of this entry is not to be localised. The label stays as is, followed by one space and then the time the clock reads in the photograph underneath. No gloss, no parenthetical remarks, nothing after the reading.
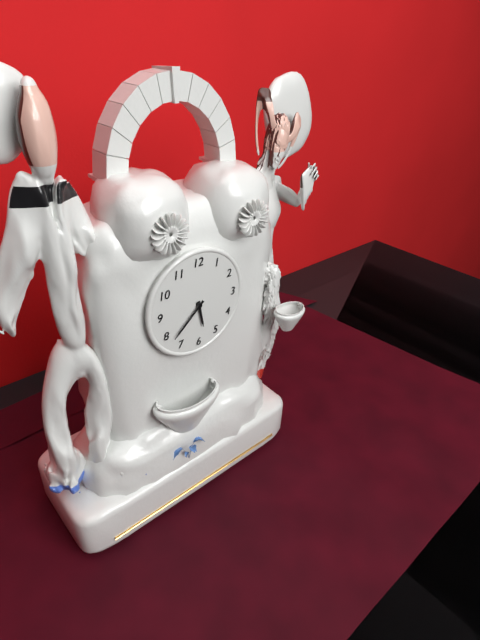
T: 5:38
